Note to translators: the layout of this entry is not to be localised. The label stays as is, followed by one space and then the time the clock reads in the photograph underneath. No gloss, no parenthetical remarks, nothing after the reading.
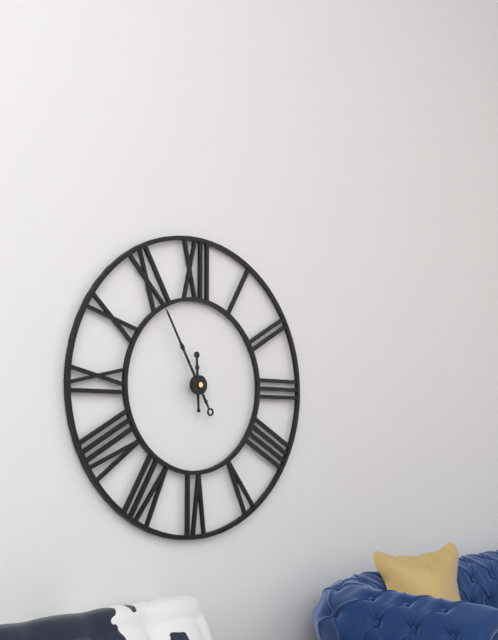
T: 11:55
